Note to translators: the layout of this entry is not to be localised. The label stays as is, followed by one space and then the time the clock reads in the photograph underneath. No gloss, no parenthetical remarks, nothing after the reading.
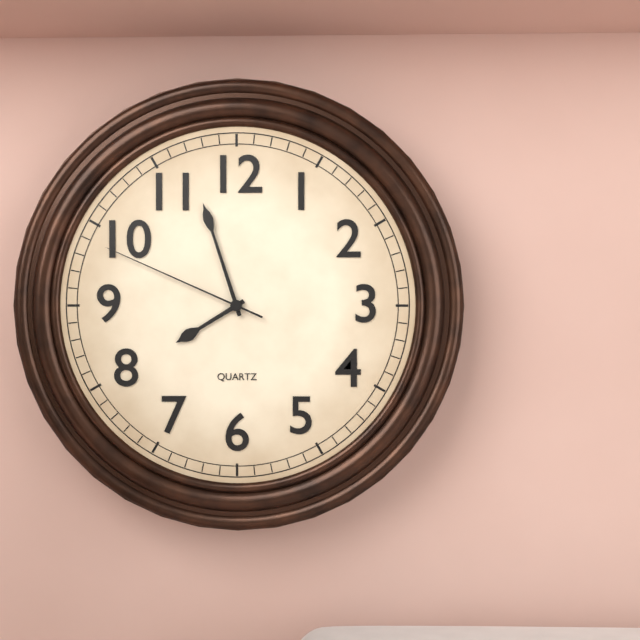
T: 7:57:49
